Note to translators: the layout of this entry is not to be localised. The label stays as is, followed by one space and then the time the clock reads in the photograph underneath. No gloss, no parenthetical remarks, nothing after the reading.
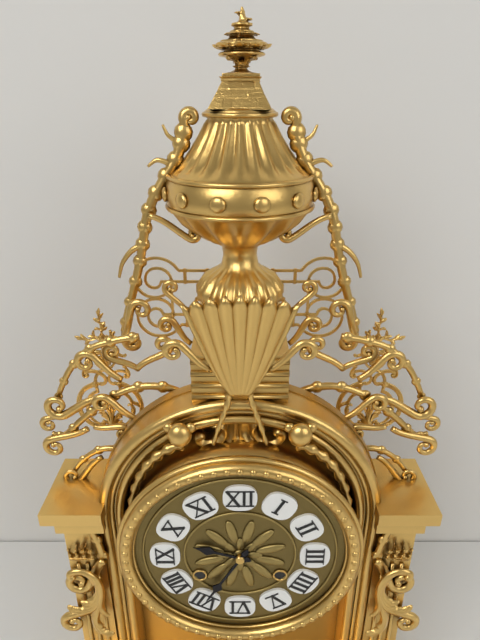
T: 9:35
